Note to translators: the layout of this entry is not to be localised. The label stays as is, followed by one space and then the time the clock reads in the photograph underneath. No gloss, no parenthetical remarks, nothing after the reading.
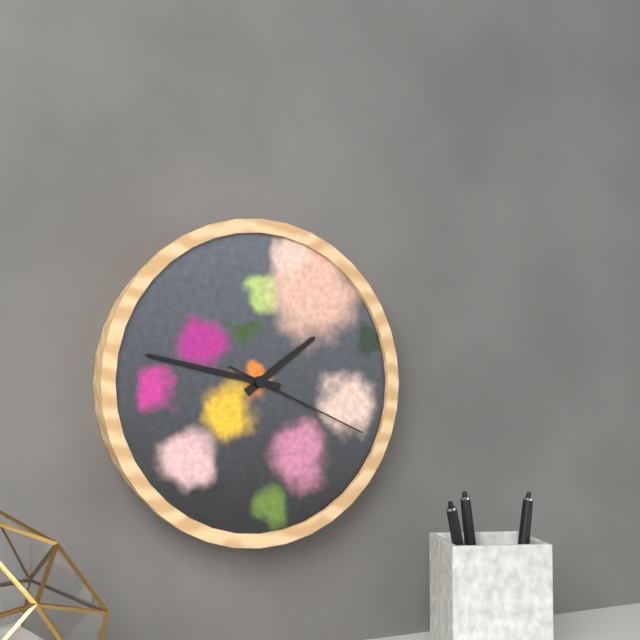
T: 1:47:19
